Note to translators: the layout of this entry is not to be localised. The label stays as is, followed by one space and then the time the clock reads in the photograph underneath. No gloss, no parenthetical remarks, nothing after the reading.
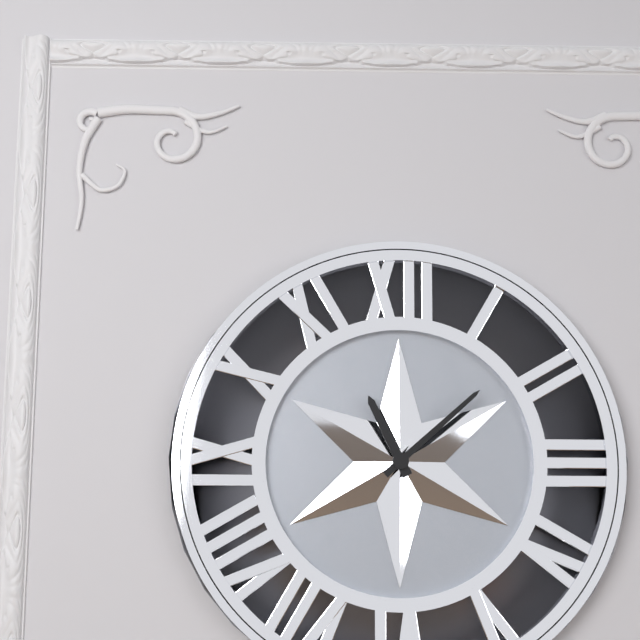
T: 11:08
